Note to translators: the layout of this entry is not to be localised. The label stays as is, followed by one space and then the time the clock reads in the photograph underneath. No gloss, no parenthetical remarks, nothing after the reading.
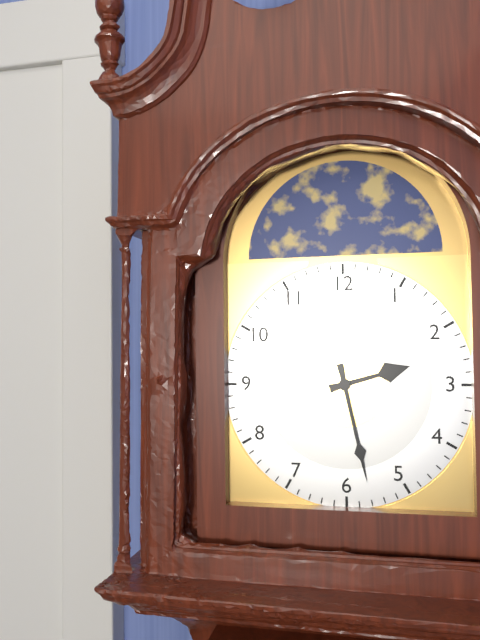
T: 2:28
